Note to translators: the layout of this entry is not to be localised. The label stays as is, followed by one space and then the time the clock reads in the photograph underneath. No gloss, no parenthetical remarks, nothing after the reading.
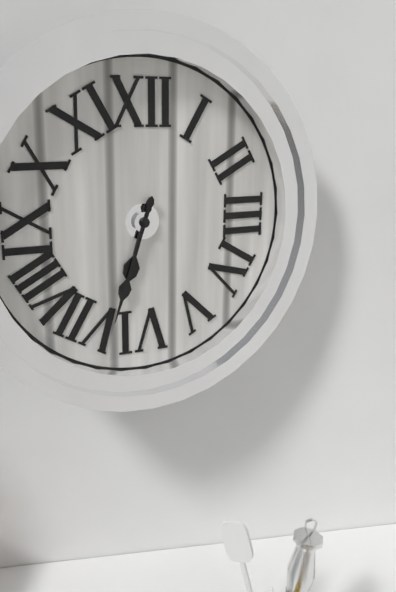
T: 6:33
